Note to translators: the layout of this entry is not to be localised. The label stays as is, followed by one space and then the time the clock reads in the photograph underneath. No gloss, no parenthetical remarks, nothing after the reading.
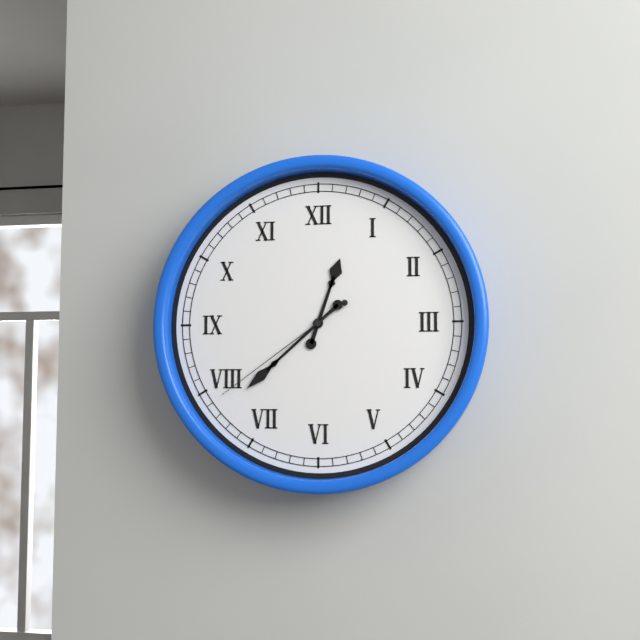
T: 12:38:39
